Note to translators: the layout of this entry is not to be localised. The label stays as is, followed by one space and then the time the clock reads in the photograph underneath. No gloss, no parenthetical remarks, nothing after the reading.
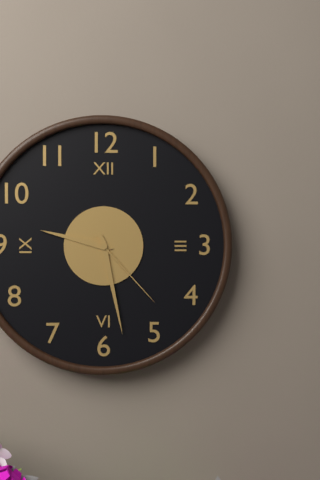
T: 9:28:23
